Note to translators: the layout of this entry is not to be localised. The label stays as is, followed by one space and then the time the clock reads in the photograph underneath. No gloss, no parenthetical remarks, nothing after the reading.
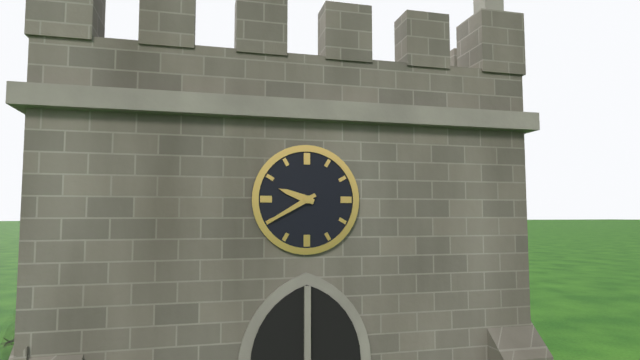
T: 9:40
